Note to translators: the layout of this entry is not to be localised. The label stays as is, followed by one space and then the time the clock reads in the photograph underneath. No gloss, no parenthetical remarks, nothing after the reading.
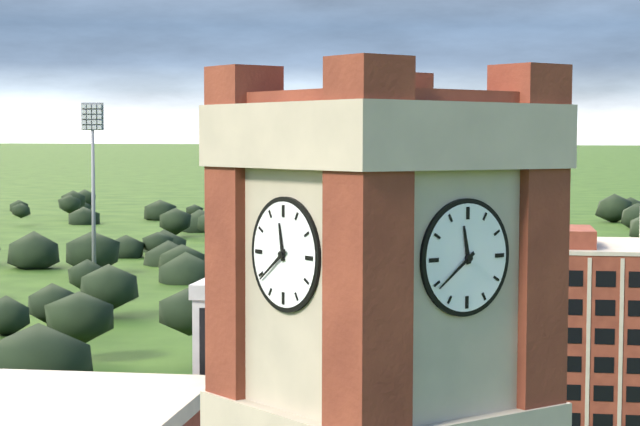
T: 11:39
